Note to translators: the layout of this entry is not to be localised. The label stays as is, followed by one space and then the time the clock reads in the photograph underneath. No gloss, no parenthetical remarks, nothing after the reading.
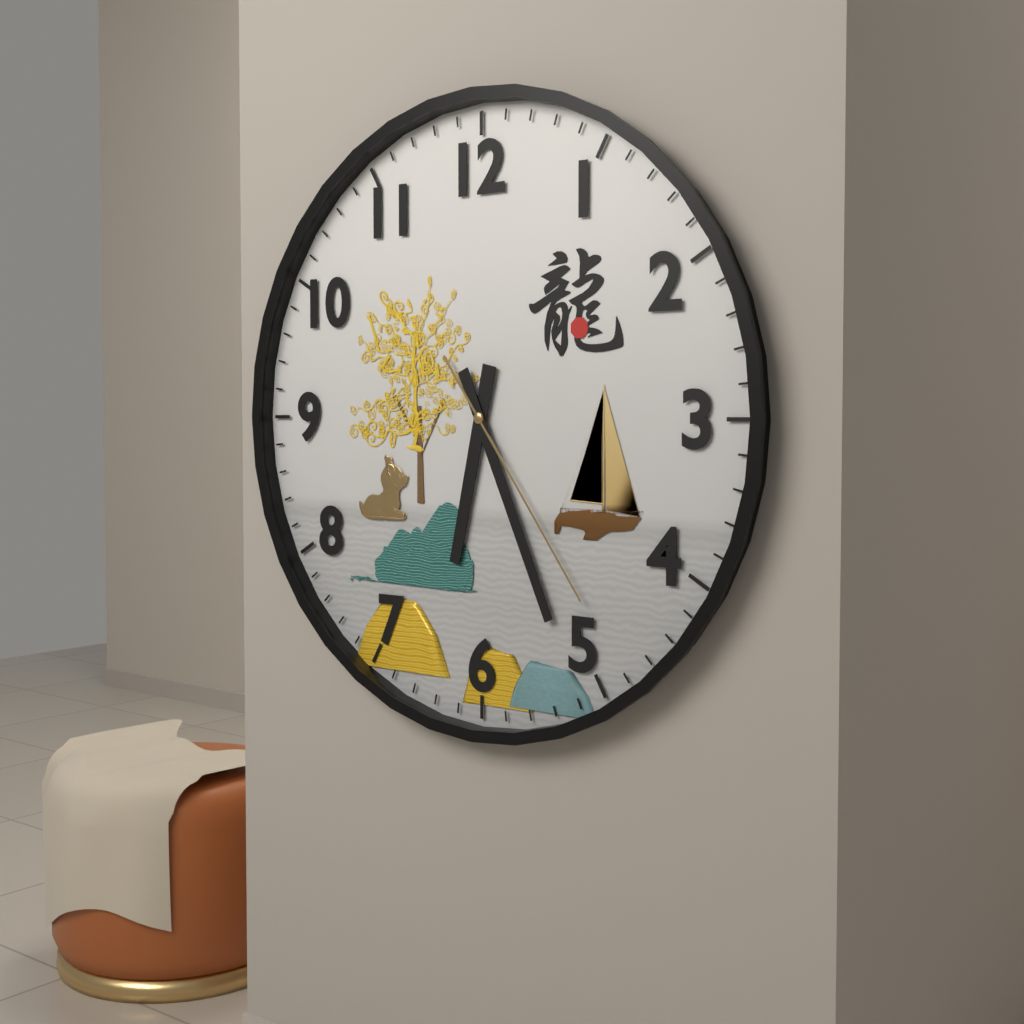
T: 6:26:24
